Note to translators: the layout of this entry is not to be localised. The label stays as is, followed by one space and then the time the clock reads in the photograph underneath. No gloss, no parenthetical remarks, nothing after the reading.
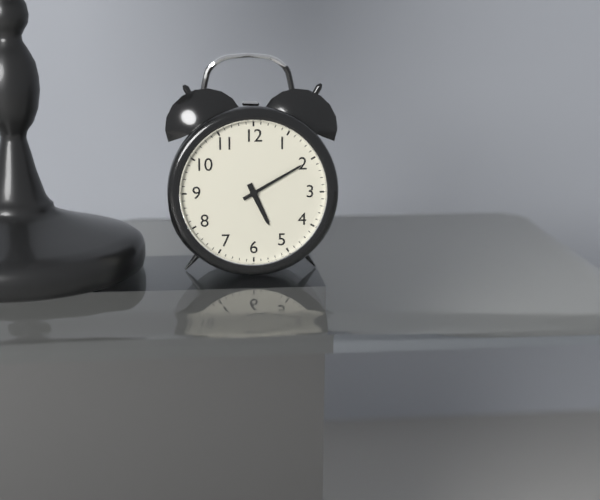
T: 5:10
